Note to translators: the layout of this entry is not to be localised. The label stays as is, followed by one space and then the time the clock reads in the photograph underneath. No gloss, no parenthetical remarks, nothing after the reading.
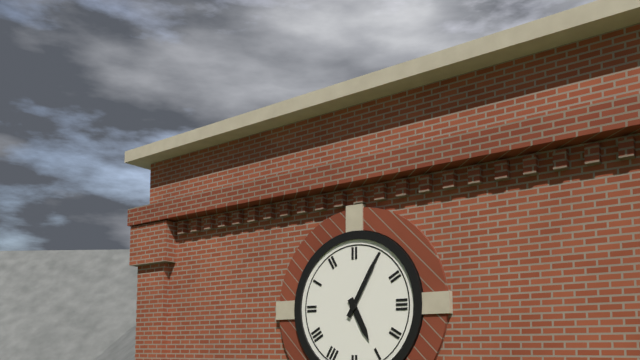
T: 5:05
